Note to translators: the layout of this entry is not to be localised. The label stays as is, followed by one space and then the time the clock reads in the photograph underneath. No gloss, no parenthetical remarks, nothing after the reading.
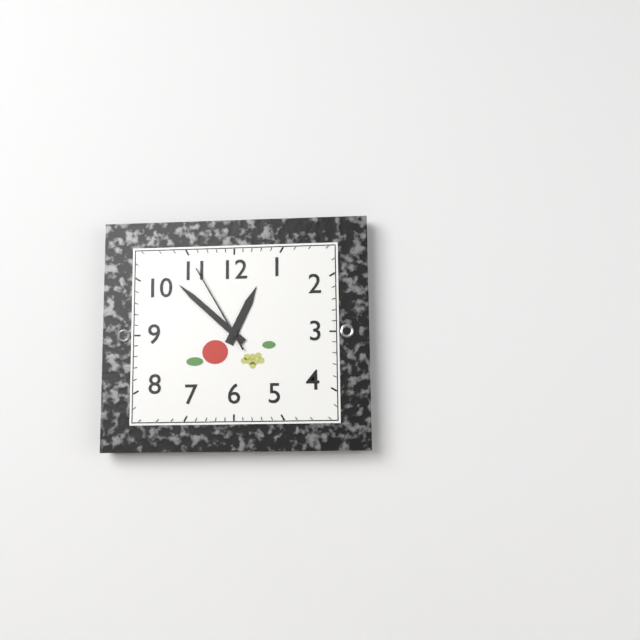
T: 12:52:55
